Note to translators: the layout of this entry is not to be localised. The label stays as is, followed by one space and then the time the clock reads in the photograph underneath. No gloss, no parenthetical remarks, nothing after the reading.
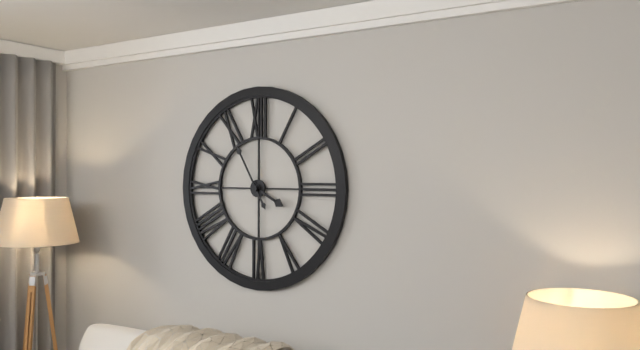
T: 3:55
